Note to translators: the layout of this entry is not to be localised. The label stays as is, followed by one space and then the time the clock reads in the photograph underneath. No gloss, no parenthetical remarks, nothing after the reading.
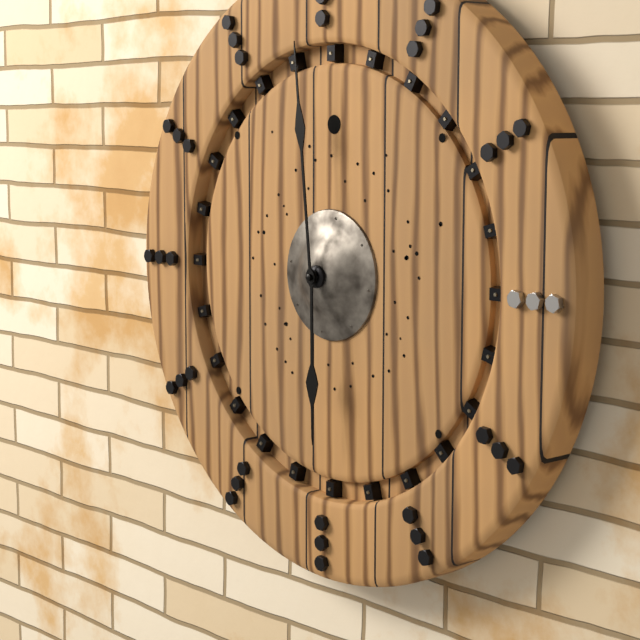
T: 5:59
